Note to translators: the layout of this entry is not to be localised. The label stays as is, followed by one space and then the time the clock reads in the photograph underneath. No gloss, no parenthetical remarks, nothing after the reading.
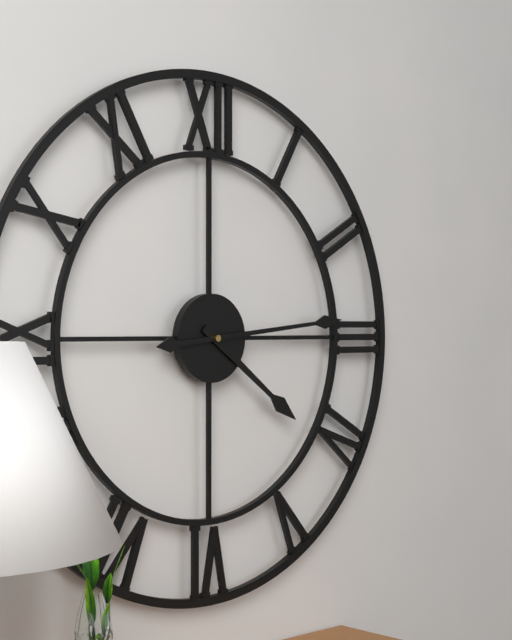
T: 4:14
